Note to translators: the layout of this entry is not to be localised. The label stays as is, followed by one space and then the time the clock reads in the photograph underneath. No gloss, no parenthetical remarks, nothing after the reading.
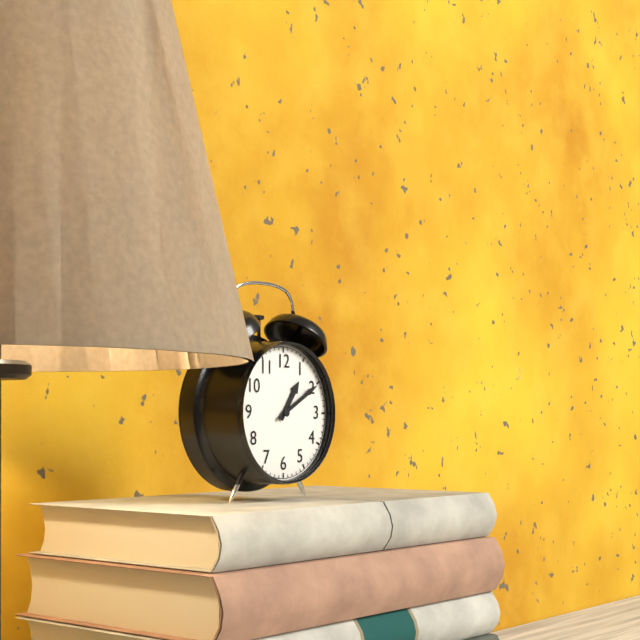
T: 1:10
